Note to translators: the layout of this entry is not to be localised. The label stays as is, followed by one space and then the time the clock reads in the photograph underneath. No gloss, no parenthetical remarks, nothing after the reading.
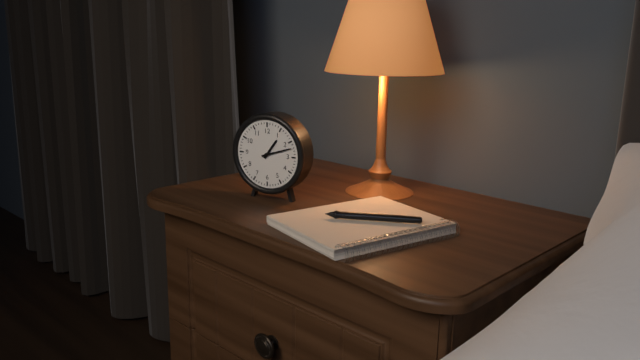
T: 1:12
